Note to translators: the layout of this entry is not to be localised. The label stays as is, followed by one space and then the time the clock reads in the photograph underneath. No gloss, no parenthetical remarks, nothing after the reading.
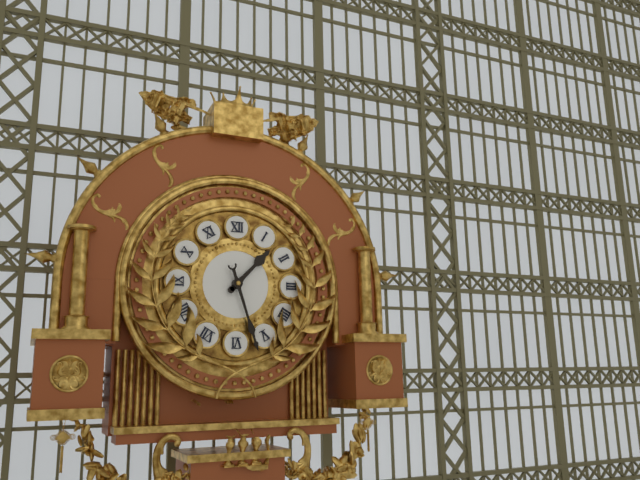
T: 1:27
